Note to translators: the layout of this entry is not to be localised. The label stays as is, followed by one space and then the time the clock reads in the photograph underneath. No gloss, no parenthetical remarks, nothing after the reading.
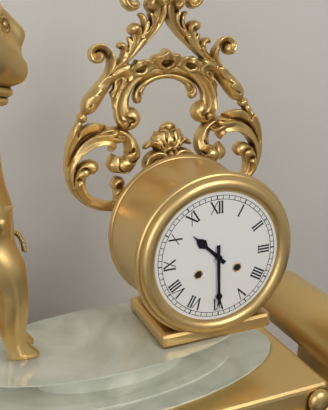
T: 10:30
